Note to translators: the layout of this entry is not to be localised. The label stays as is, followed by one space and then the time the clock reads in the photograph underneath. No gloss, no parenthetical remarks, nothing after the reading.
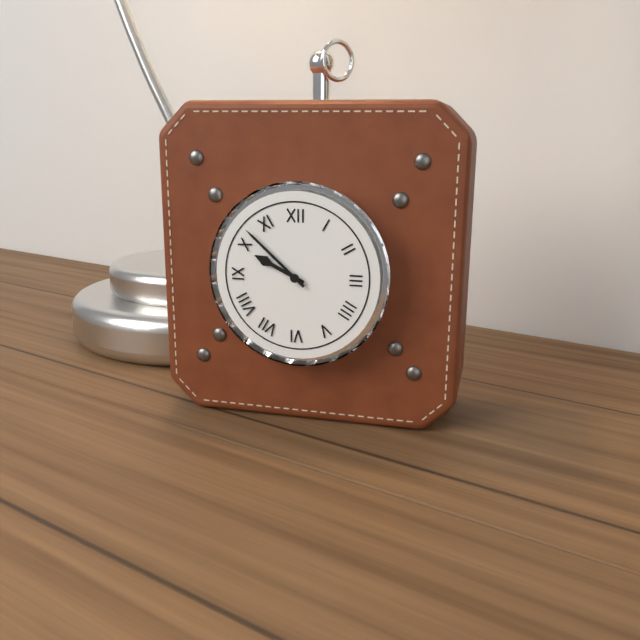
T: 9:52
